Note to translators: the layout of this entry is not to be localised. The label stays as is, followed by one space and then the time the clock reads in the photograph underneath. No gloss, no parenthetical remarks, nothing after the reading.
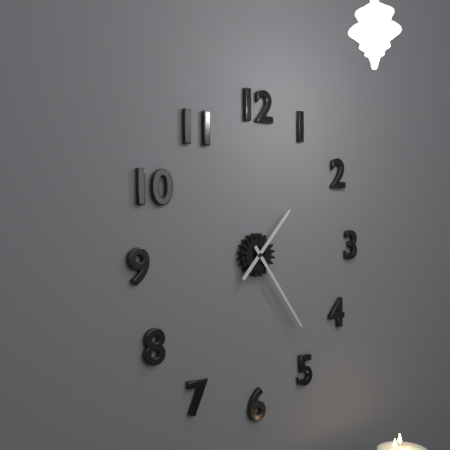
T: 1:24
